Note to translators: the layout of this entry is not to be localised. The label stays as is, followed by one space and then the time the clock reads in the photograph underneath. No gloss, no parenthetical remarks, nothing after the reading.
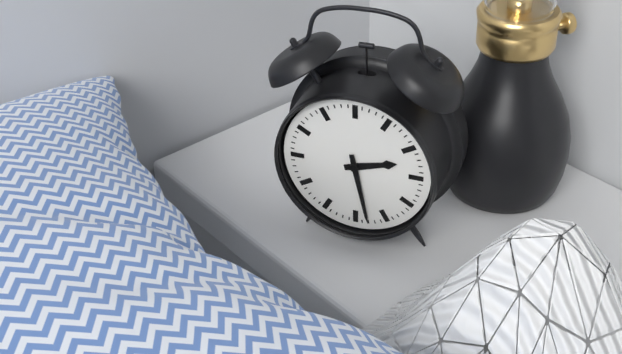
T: 2:28
